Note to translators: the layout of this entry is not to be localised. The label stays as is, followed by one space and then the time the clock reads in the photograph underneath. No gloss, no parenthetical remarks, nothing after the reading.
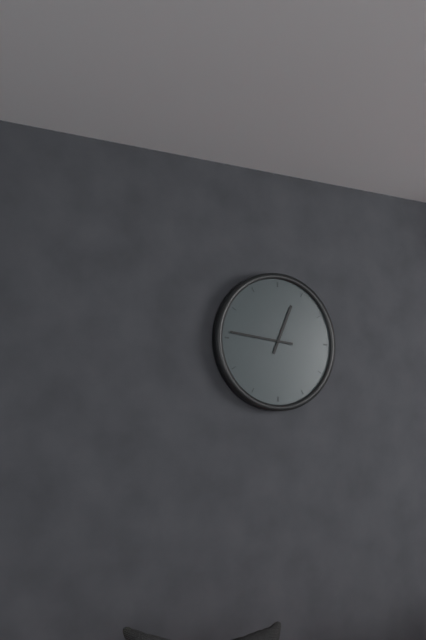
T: 12:46
